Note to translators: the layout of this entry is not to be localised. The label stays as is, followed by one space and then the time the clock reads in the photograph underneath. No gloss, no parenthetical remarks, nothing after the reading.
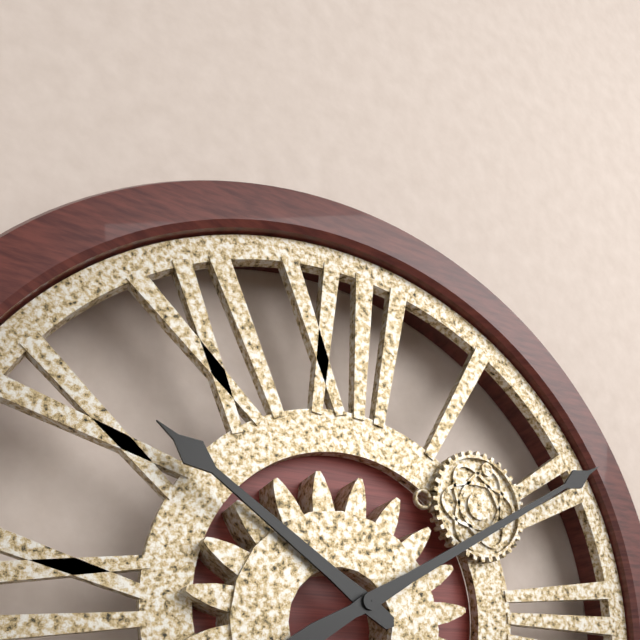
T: 10:10
